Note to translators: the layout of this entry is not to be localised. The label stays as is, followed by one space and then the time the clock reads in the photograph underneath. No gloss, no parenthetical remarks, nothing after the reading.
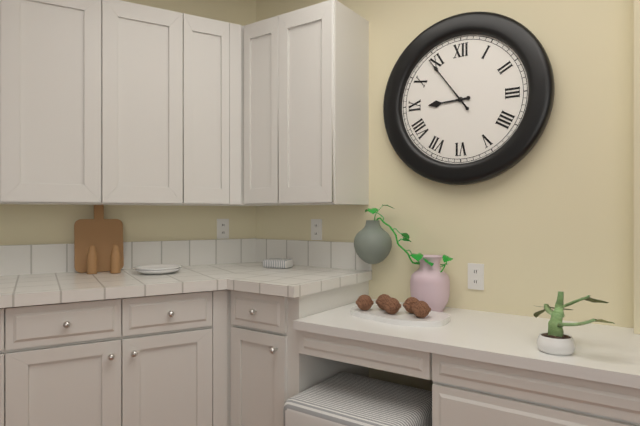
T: 8:54
